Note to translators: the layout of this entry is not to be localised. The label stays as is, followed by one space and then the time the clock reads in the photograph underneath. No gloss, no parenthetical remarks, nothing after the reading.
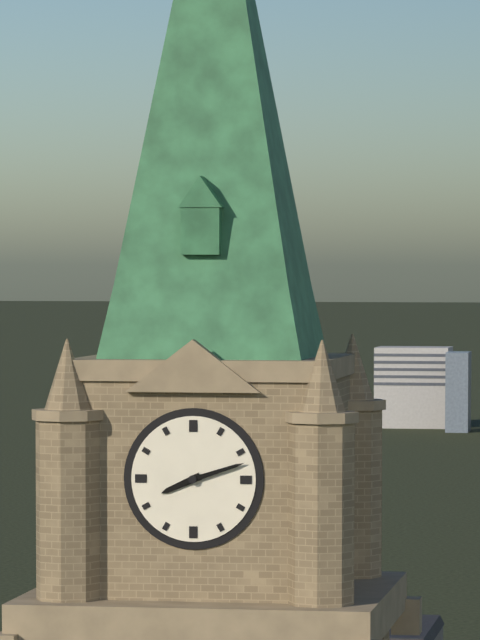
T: 8:12
